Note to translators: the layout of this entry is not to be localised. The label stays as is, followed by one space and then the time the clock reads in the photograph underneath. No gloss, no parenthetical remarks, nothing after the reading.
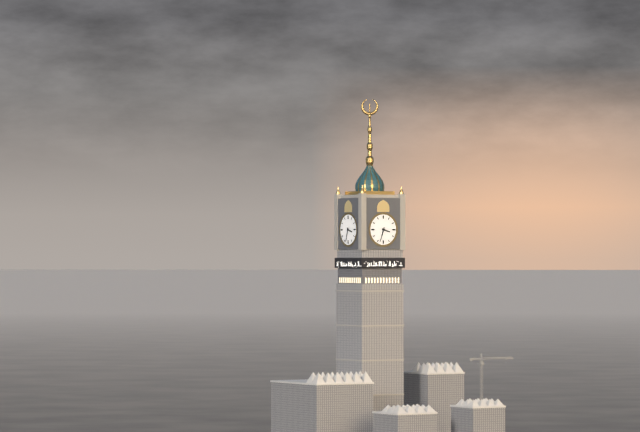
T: 3:33
